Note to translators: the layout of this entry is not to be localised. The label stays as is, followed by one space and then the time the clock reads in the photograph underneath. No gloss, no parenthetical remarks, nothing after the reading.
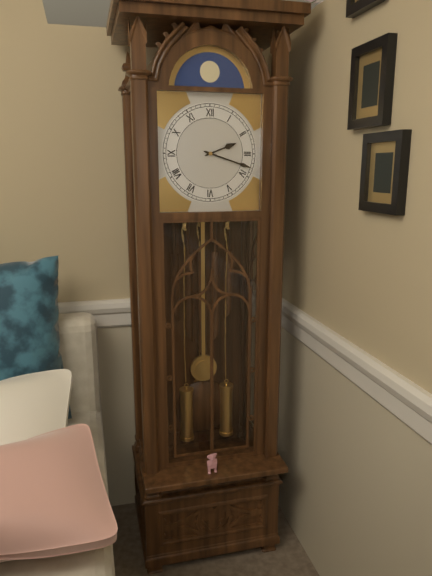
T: 2:18
